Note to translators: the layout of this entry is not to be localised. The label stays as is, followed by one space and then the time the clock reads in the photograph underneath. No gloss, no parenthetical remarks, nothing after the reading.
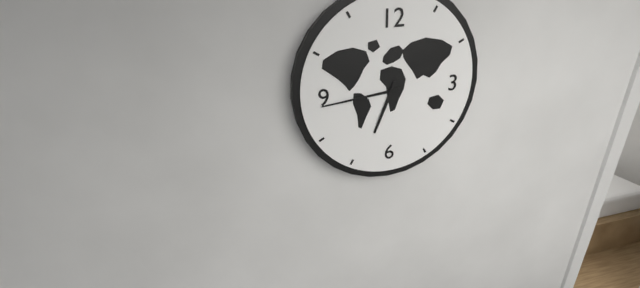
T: 6:44
